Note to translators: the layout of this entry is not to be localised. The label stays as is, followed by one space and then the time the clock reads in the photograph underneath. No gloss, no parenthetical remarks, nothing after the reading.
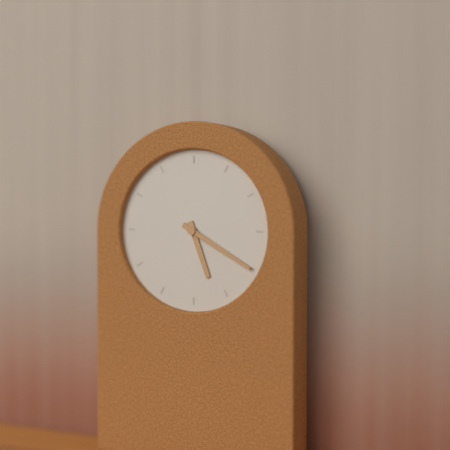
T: 5:20
